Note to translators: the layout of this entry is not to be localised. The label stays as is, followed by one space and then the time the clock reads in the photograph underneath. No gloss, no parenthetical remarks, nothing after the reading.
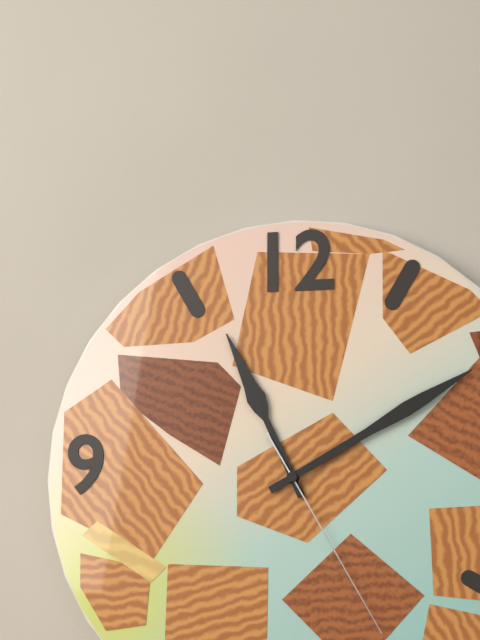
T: 11:10:25
